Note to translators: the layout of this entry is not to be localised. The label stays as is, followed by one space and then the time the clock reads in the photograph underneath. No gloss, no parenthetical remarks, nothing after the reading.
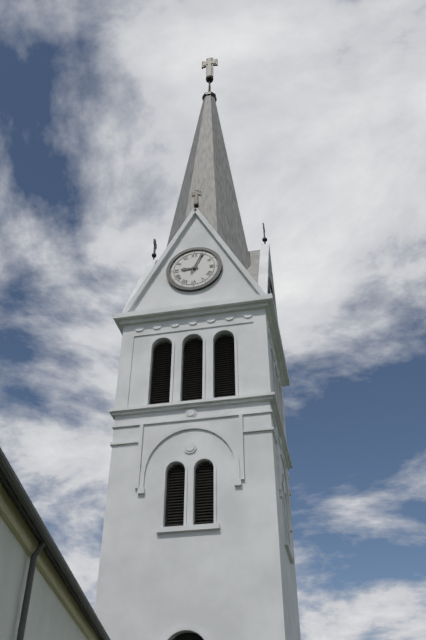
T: 9:04
